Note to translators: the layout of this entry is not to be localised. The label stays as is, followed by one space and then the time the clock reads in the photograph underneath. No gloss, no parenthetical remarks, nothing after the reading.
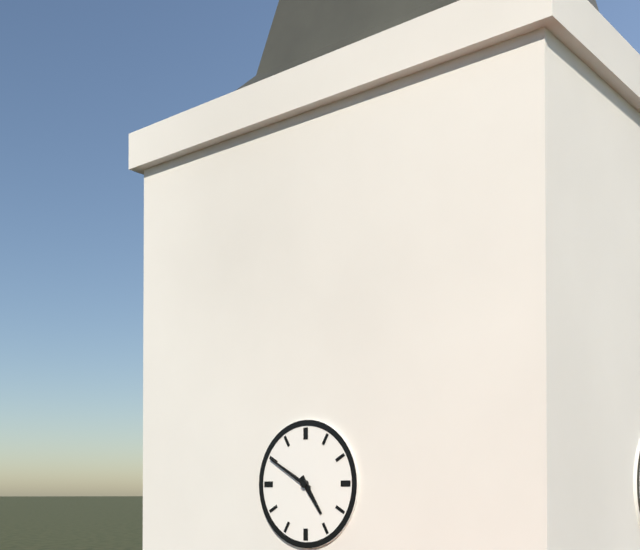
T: 4:50
